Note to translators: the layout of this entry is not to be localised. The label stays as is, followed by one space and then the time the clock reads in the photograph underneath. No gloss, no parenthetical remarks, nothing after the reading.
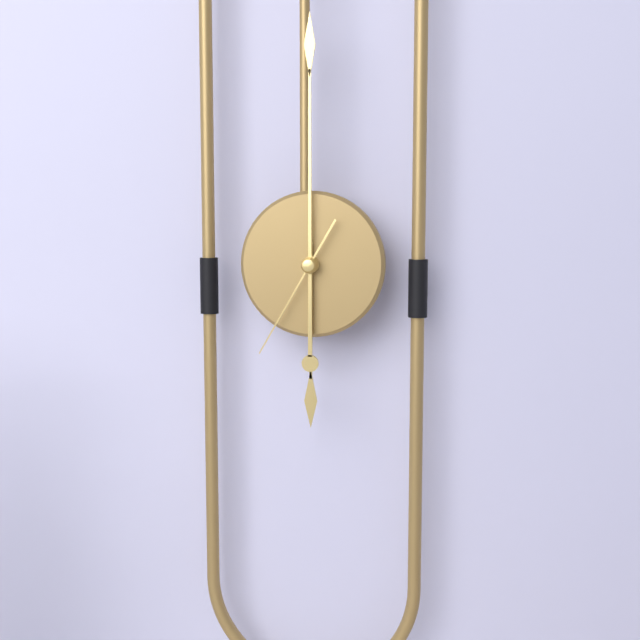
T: 6:00:35
